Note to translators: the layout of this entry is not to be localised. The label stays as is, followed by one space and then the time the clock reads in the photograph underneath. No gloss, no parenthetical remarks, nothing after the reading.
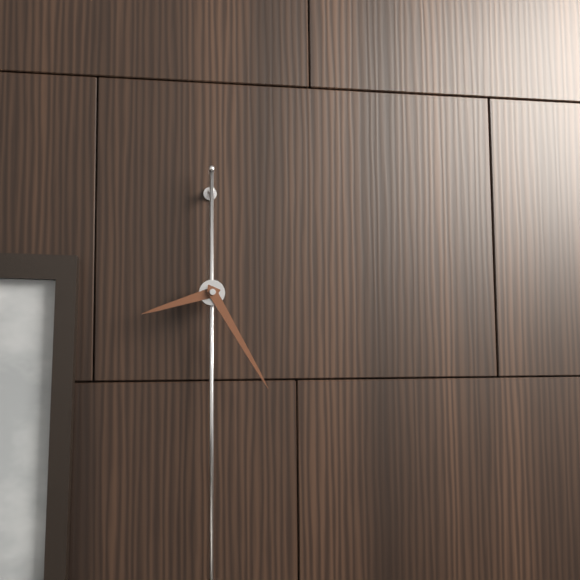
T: 8:25
